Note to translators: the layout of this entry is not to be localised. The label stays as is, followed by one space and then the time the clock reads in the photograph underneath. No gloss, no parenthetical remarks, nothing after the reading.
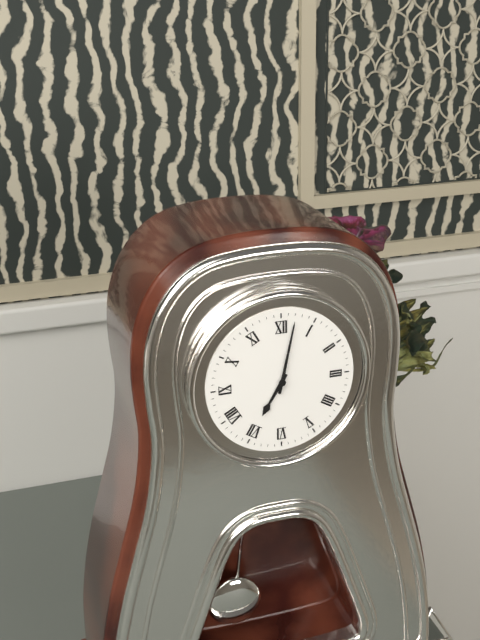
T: 7:02
